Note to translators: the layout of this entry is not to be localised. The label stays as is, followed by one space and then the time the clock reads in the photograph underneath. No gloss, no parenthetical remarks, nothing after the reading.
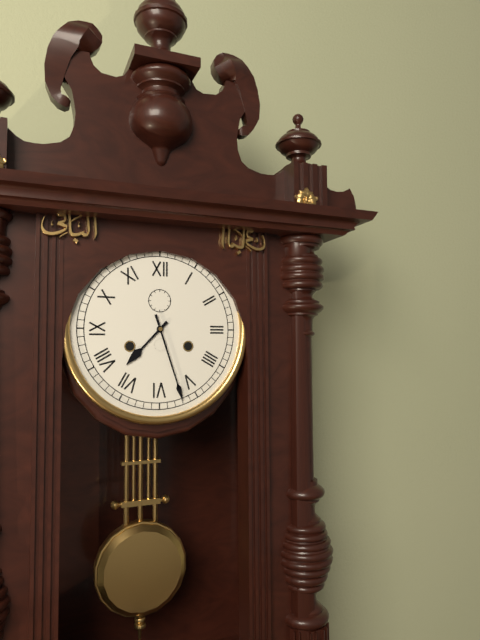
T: 7:27
